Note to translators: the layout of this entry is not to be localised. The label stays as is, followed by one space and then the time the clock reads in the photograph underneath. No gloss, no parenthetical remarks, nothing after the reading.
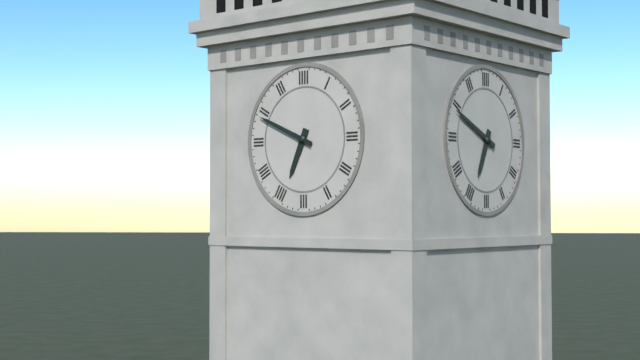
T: 6:49
